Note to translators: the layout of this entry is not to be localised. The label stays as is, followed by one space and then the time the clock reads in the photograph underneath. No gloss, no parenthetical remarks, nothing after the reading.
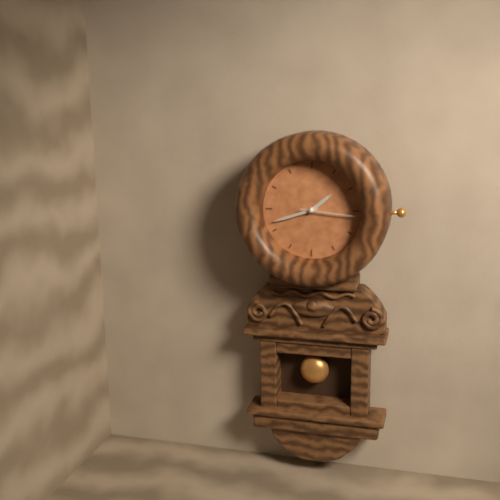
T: 1:42
